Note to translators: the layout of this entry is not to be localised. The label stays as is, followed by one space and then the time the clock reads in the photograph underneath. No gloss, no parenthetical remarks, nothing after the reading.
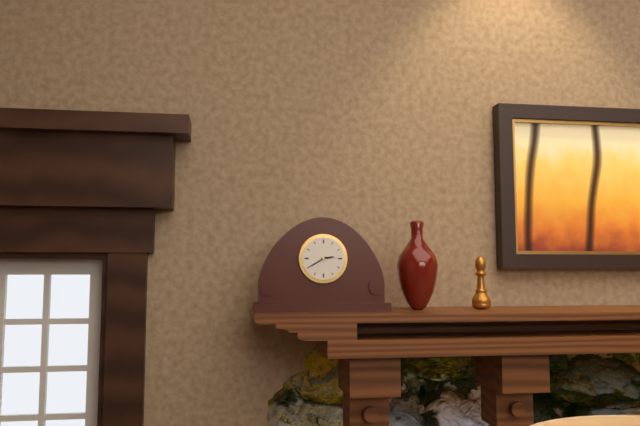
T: 2:40
